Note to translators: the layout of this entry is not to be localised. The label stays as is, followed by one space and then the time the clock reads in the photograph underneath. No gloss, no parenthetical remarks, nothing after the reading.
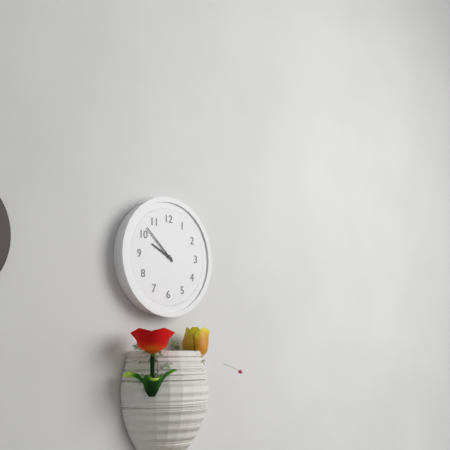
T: 9:52
